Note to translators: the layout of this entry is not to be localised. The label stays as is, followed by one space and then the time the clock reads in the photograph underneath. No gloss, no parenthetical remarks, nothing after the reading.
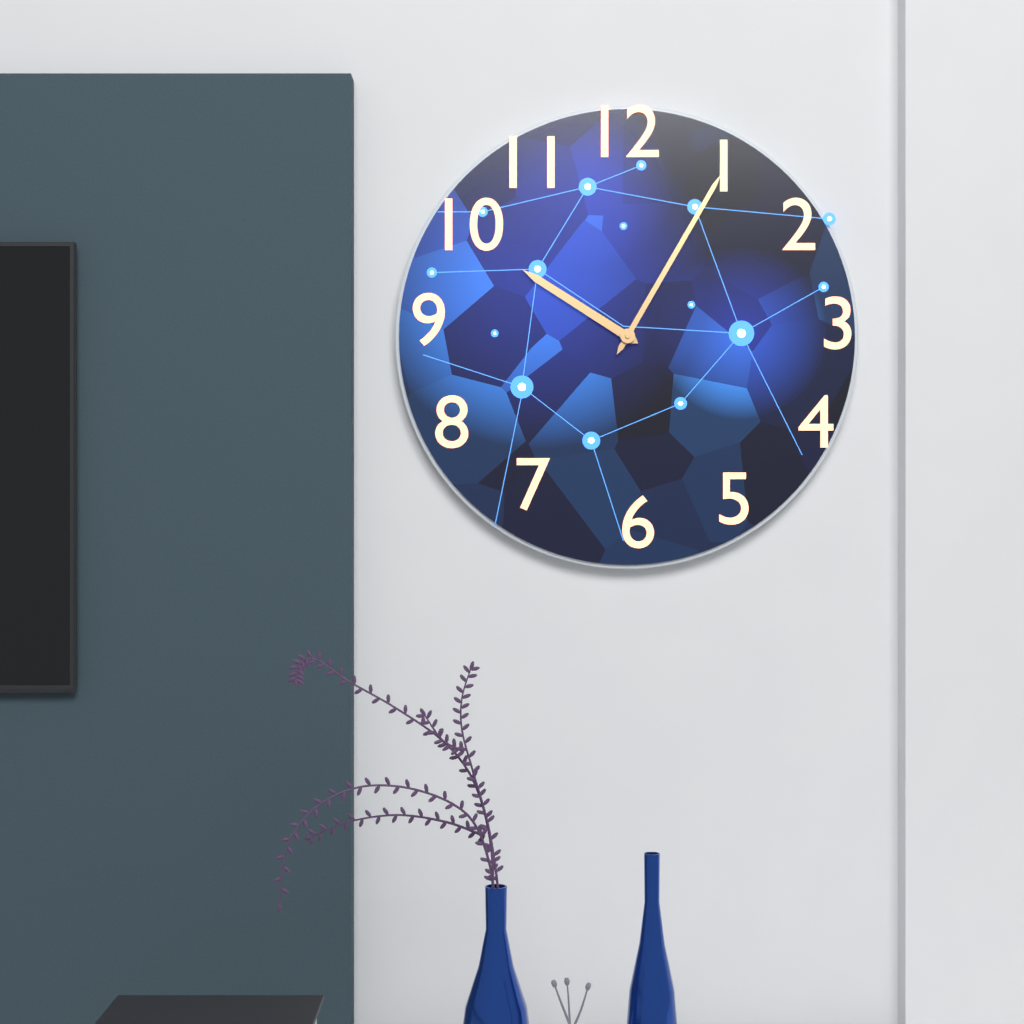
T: 10:05
